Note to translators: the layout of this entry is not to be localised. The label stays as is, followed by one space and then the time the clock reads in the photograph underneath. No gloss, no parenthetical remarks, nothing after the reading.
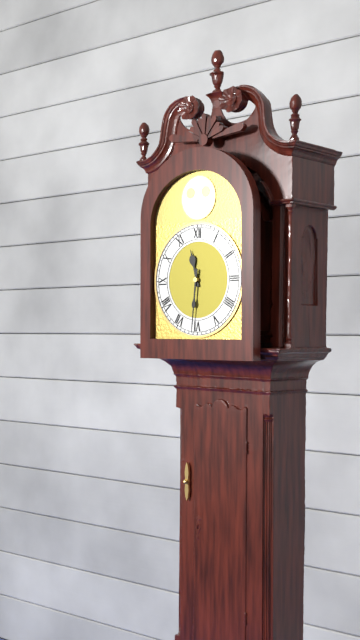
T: 11:31
